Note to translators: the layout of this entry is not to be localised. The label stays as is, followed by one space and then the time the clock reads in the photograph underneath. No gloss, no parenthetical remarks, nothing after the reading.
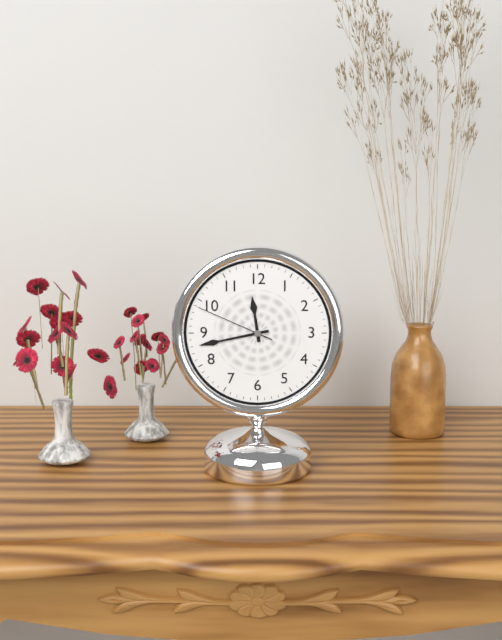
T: 11:43:49
